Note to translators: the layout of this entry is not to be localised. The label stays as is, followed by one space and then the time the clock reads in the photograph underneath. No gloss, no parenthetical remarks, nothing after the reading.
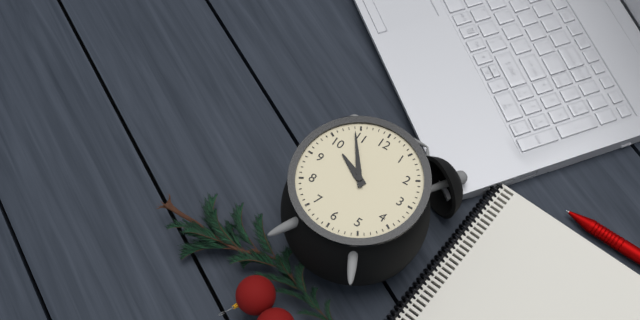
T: 9:54
